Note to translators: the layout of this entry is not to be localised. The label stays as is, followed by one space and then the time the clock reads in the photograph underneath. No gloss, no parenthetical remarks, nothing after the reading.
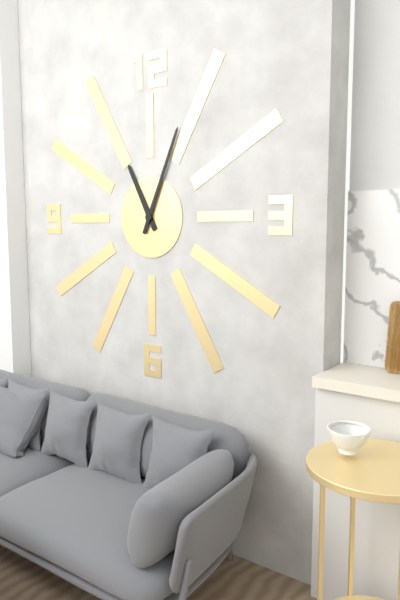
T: 11:04
